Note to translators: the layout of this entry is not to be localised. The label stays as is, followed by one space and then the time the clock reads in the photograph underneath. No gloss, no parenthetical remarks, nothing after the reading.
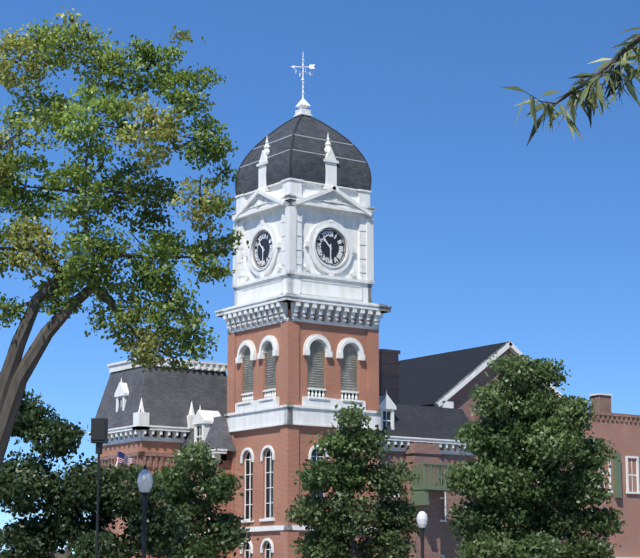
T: 10:30
